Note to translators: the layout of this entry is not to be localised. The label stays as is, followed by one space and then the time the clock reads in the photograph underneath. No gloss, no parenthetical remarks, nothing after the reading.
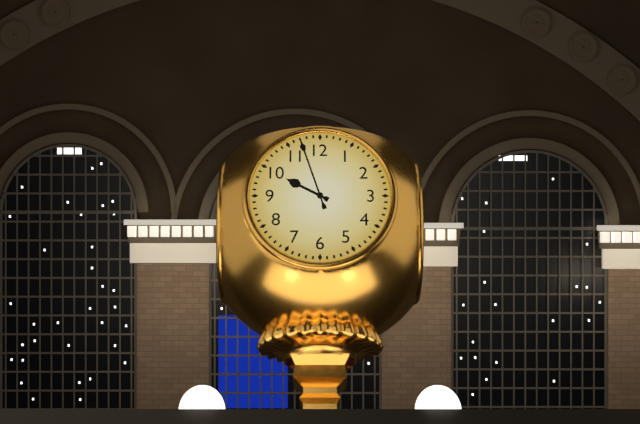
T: 9:57
